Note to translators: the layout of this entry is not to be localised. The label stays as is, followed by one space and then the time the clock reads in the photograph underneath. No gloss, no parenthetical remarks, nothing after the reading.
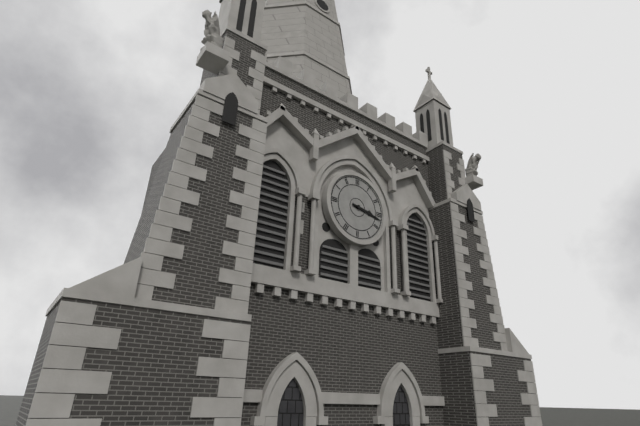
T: 3:17
